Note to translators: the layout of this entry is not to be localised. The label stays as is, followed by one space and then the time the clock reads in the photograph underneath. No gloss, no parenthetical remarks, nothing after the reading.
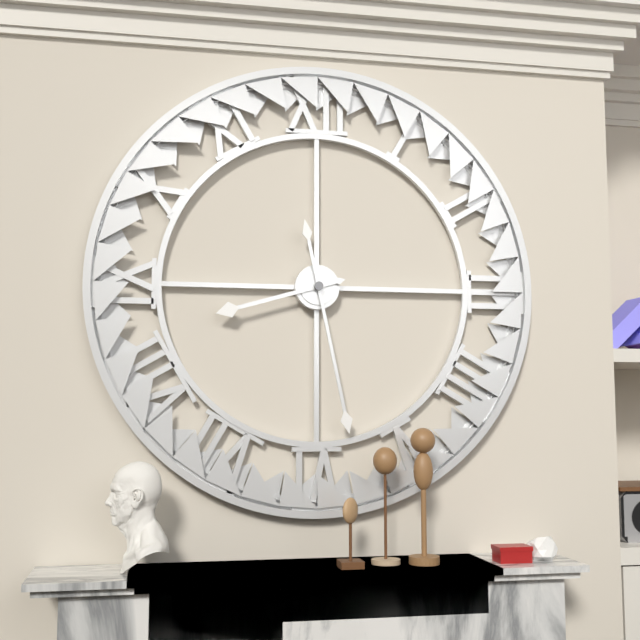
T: 8:28
